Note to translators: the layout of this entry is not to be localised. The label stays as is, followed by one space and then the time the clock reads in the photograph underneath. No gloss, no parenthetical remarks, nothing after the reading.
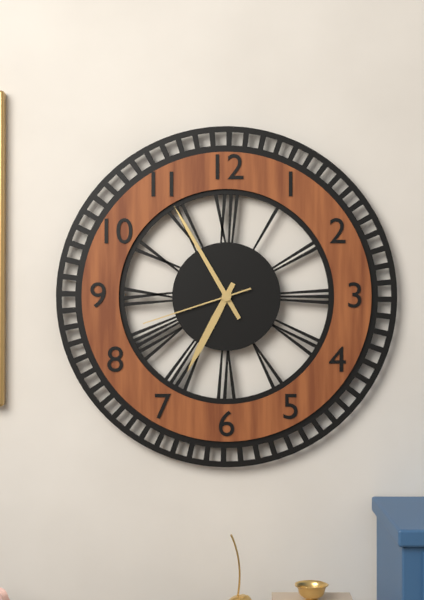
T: 6:55:42
